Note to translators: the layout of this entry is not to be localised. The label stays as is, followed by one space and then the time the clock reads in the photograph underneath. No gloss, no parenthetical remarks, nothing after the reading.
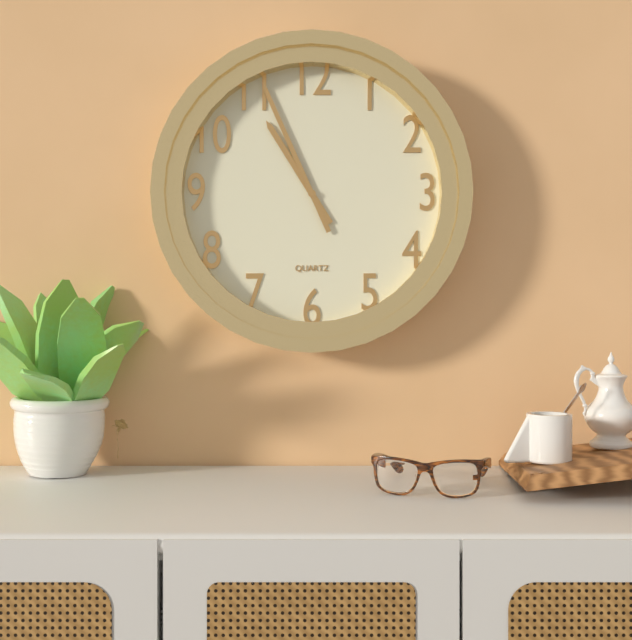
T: 10:56
